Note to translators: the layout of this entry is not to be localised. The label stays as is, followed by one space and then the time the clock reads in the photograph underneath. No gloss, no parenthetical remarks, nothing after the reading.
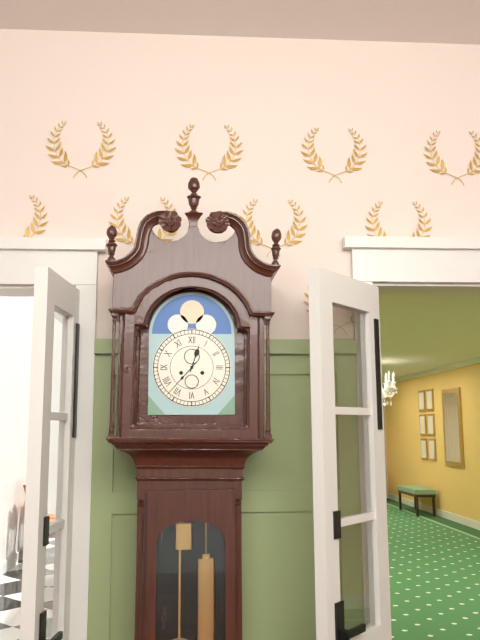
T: 12:37
